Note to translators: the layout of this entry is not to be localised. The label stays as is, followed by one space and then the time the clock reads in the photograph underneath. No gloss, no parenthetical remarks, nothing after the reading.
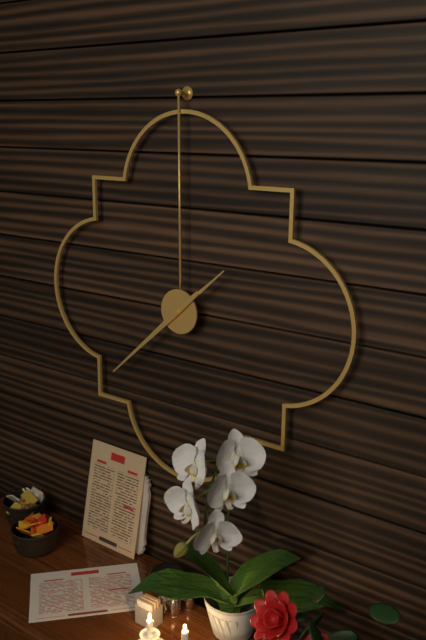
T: 1:38
